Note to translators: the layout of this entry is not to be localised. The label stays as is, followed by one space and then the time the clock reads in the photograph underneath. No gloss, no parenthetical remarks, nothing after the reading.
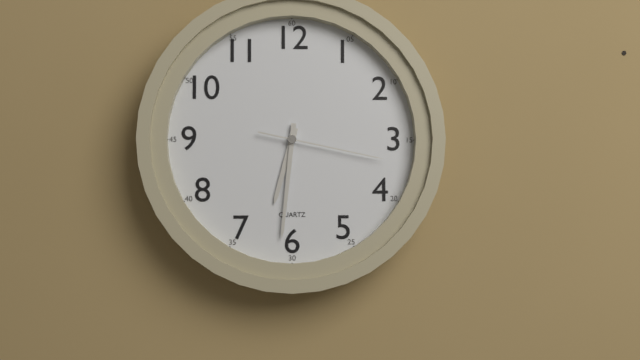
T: 6:31:17
